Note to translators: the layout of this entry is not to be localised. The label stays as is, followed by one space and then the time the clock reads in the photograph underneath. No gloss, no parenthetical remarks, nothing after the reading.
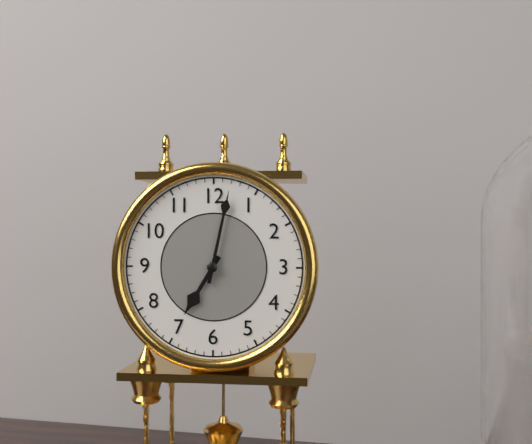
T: 7:02
